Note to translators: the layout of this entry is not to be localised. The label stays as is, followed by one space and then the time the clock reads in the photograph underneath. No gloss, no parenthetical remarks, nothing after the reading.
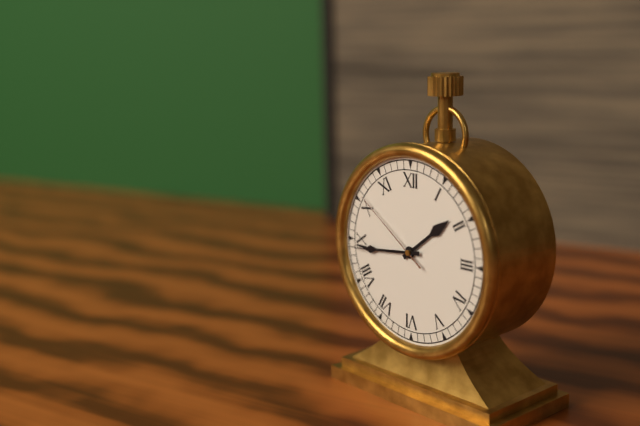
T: 1:44:51
